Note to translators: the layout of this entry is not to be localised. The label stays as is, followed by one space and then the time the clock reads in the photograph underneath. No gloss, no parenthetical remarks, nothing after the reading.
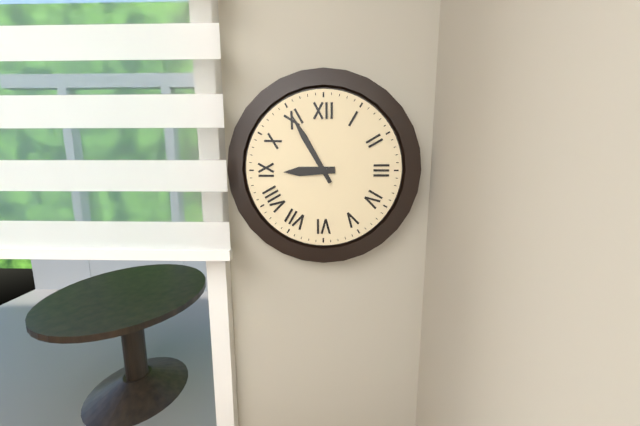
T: 8:55
